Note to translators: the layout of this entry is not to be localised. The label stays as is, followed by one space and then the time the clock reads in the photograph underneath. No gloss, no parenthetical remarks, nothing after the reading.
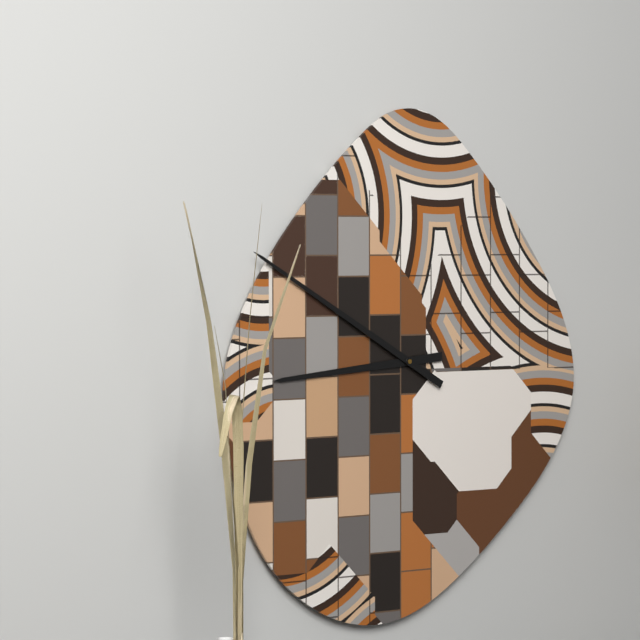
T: 8:50
